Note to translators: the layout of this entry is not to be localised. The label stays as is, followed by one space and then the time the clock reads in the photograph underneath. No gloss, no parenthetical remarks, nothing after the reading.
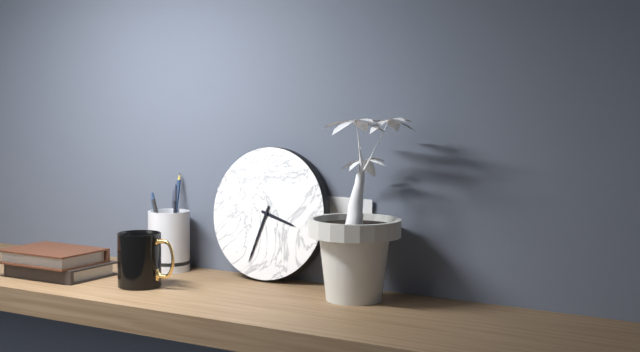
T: 3:33
